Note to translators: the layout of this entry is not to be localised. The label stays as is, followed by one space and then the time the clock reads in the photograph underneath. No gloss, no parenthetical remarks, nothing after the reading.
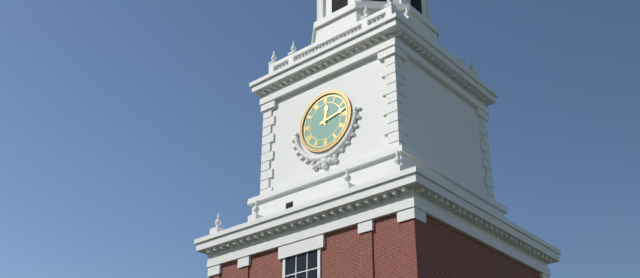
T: 12:13
